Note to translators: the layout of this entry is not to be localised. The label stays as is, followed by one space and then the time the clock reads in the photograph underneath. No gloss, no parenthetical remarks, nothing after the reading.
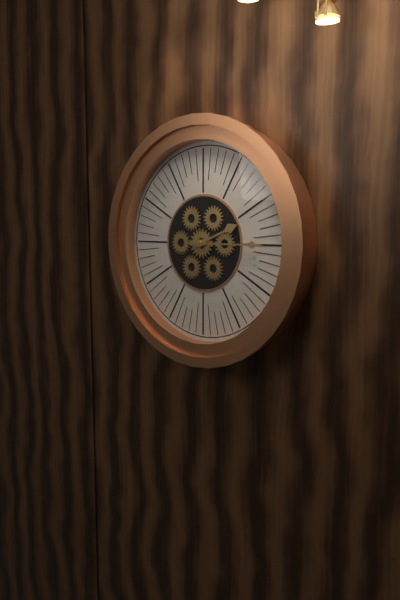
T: 2:15
